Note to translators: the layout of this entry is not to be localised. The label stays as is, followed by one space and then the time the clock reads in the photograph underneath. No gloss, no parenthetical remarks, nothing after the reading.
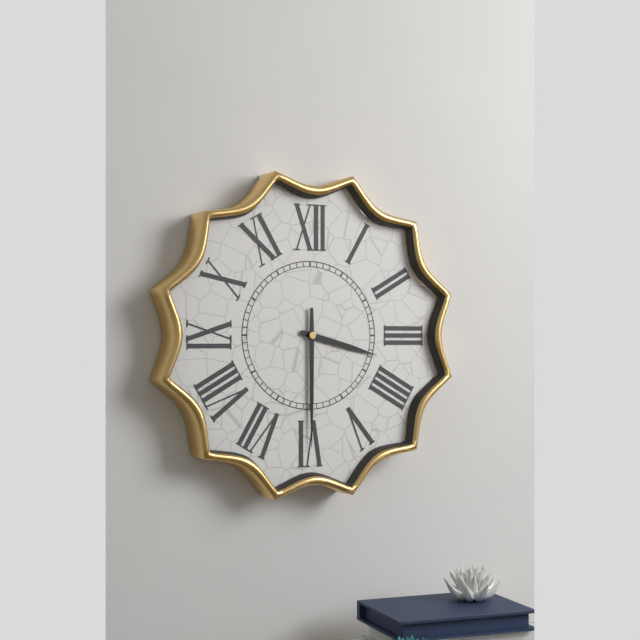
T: 3:30
